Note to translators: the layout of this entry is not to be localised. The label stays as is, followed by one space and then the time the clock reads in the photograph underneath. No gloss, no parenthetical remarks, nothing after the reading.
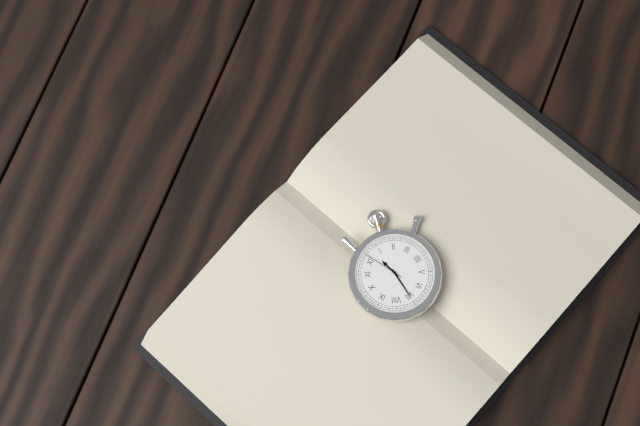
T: 12:35
